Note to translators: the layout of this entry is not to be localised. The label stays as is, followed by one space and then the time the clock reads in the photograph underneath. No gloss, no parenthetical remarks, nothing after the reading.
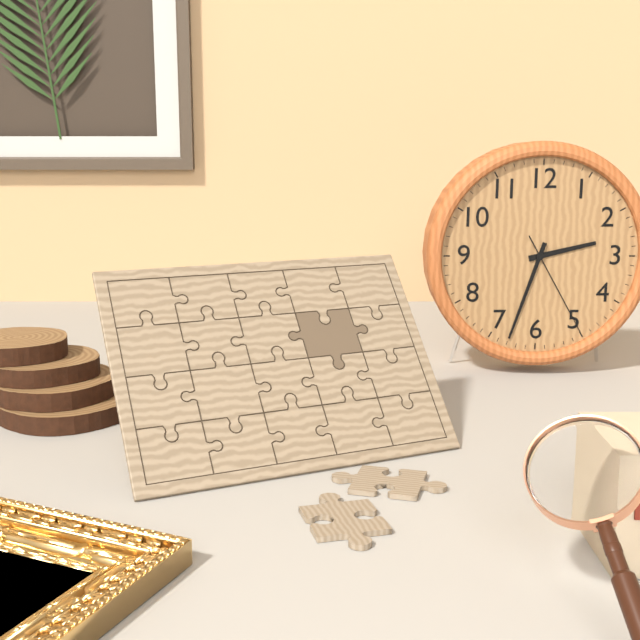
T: 2:33:25
